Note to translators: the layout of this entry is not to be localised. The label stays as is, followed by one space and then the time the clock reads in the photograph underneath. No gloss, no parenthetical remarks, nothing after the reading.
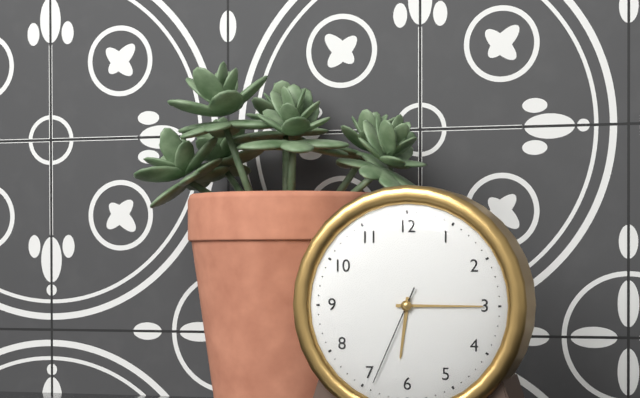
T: 6:15:34
